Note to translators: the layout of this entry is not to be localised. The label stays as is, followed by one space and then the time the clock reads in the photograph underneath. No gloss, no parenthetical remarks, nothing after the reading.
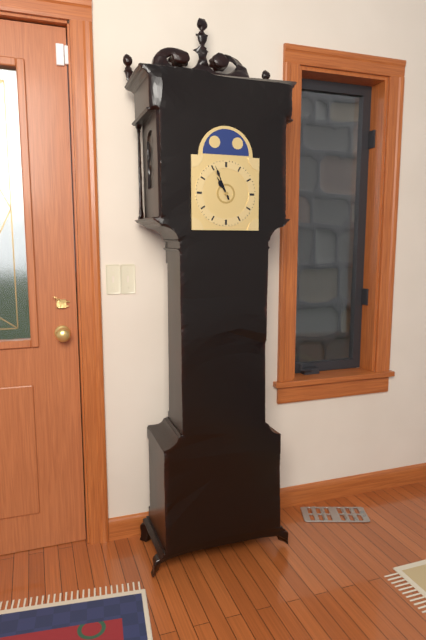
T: 10:56
